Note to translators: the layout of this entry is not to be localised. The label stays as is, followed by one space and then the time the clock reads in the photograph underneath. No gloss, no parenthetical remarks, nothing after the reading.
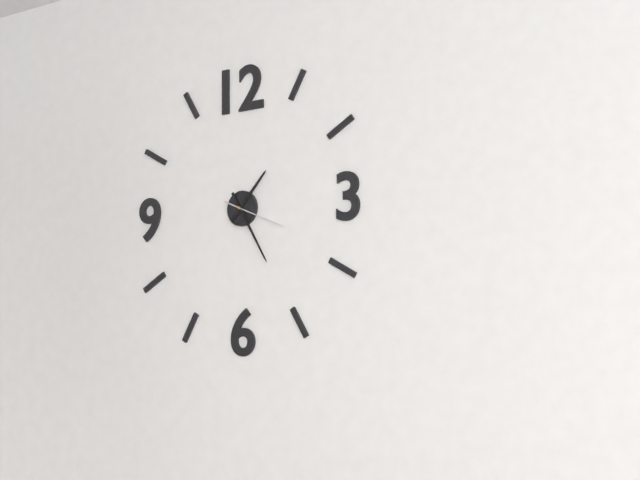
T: 1:25:19
